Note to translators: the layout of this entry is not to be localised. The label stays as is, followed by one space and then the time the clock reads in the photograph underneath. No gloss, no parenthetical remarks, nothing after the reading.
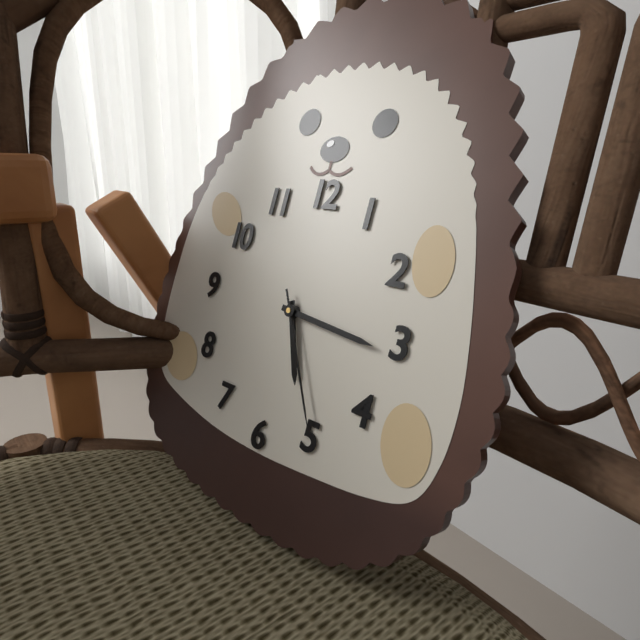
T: 5:16:25
